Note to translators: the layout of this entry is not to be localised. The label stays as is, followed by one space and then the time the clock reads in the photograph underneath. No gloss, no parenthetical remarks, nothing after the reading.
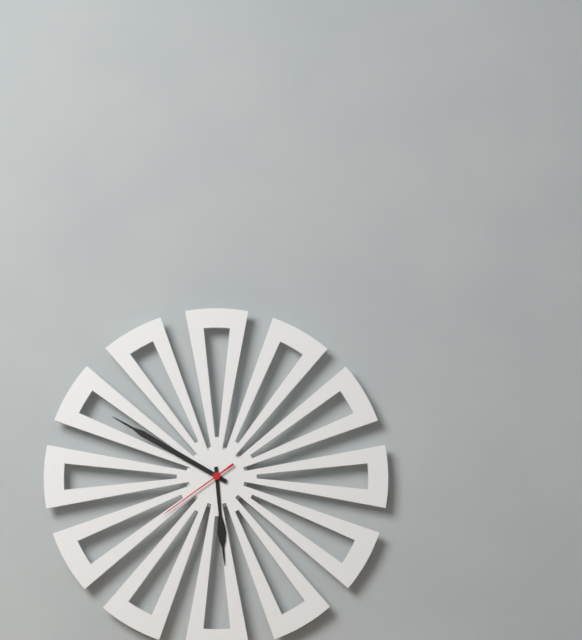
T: 5:50:39
